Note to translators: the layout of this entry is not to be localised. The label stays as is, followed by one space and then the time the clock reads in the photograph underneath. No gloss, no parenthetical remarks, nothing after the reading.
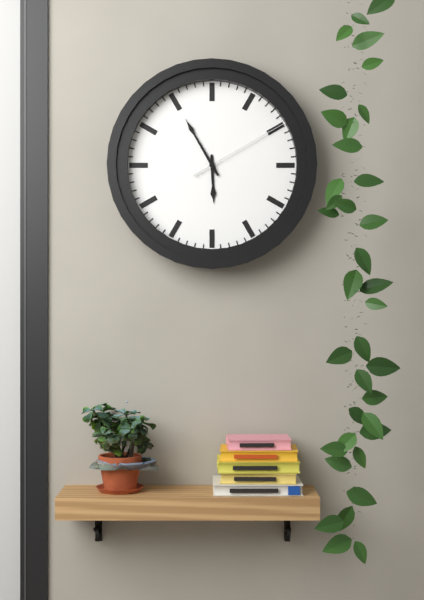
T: 5:55:10
